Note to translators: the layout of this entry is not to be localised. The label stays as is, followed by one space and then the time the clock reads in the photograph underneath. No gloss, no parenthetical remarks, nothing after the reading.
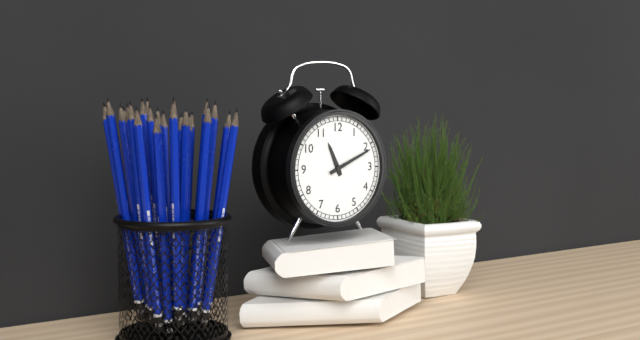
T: 11:11
